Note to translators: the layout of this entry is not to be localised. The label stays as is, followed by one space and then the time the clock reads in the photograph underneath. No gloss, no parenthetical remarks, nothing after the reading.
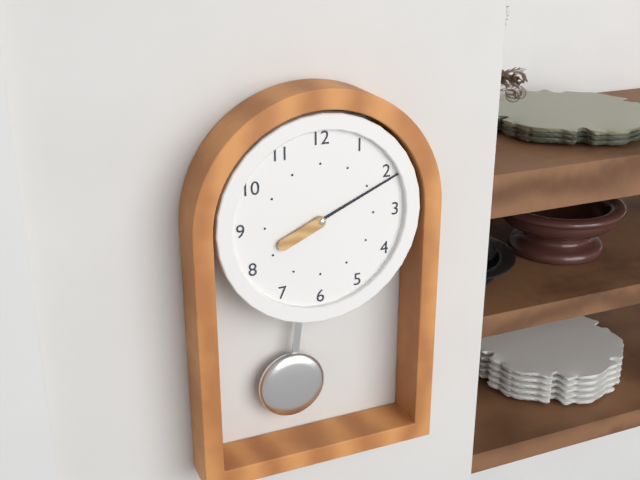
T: 8:11
